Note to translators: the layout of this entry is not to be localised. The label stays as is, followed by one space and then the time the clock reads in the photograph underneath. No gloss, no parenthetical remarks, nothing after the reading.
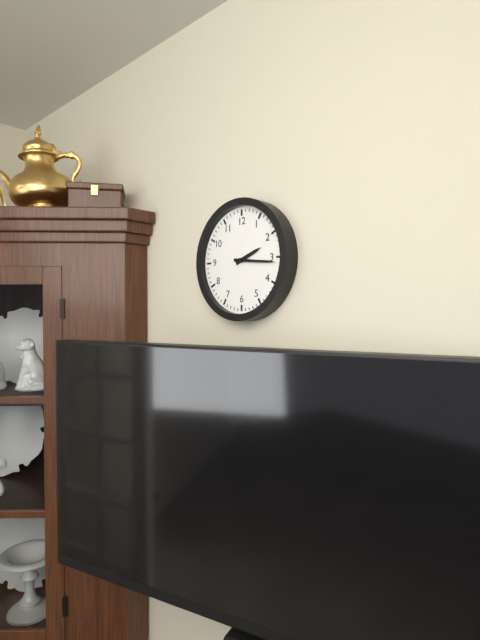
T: 2:16
